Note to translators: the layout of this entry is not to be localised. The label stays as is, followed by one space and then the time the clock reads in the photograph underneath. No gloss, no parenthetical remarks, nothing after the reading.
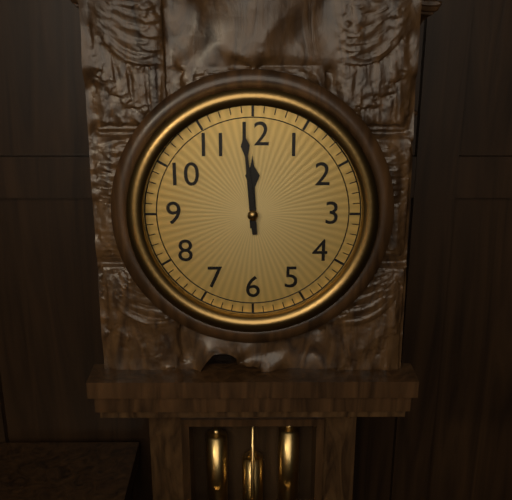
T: 11:59
